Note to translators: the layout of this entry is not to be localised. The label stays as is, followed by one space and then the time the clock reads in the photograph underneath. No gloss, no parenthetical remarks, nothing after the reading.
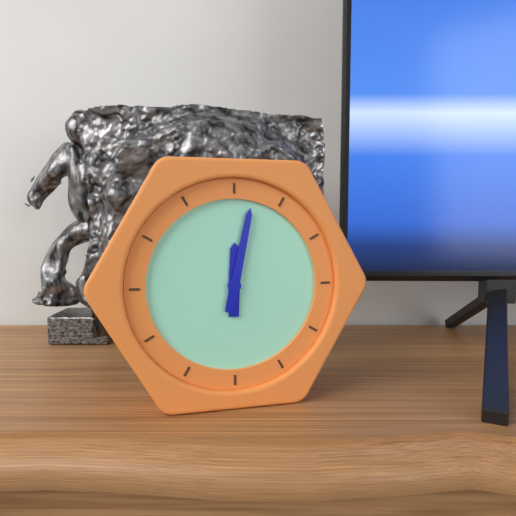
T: 12:02
